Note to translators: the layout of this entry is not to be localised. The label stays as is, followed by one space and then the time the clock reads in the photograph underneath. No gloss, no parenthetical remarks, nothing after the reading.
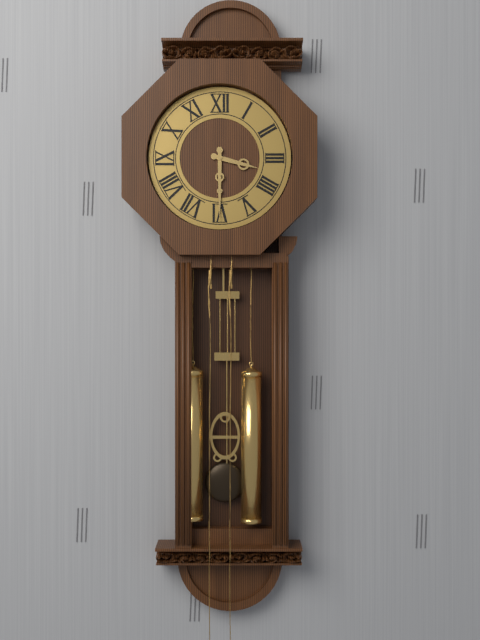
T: 3:30
